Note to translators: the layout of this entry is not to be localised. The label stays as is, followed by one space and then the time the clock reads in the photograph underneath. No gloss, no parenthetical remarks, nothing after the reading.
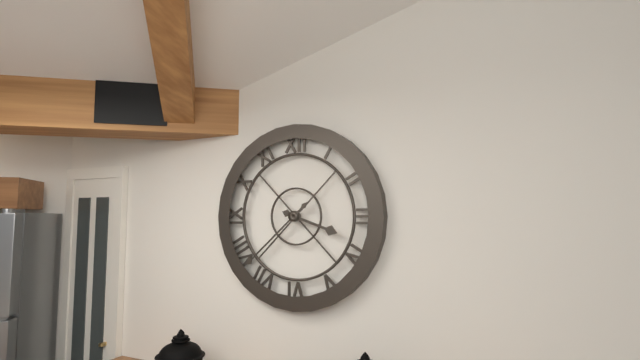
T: 3:38
